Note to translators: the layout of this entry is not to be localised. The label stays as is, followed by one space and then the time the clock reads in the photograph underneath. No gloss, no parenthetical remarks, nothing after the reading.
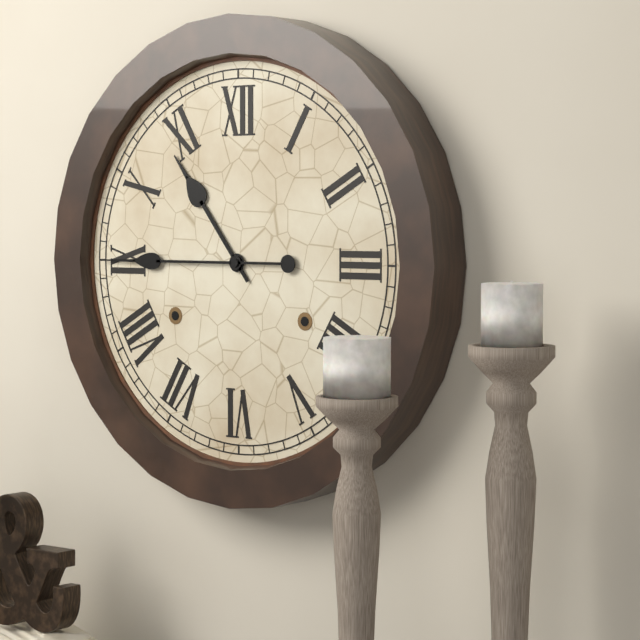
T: 10:45
